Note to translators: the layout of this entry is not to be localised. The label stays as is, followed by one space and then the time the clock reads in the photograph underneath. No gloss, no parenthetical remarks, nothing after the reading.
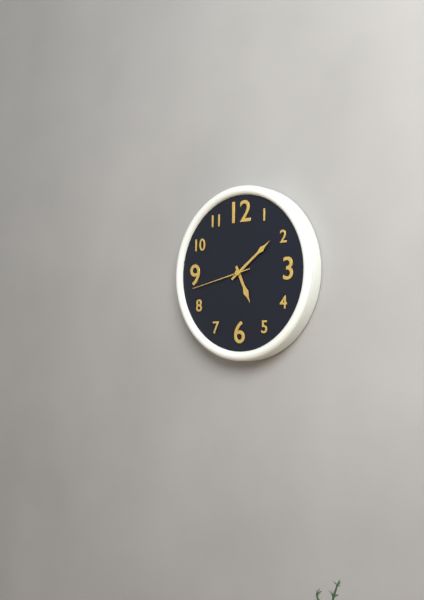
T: 5:09:43
